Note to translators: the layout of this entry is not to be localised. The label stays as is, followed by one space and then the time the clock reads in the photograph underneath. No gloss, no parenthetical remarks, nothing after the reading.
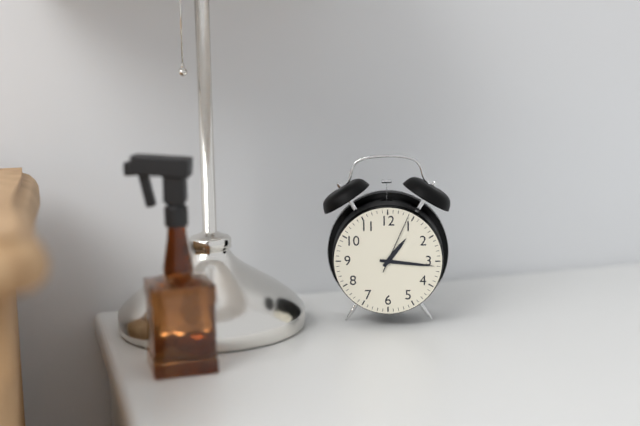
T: 1:16:04
